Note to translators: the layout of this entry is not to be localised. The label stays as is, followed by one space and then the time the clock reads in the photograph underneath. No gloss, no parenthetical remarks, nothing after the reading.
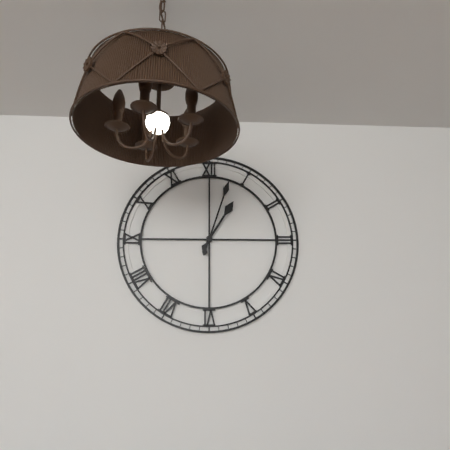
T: 1:03
